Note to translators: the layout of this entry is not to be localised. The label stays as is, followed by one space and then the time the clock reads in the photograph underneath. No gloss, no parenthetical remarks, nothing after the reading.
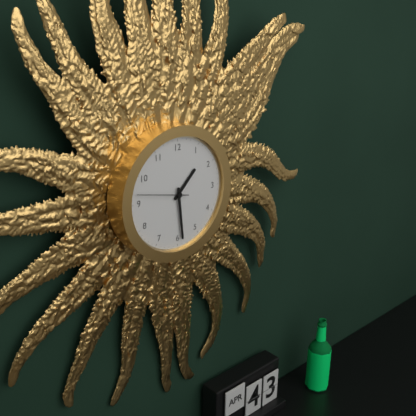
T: 1:29:47
